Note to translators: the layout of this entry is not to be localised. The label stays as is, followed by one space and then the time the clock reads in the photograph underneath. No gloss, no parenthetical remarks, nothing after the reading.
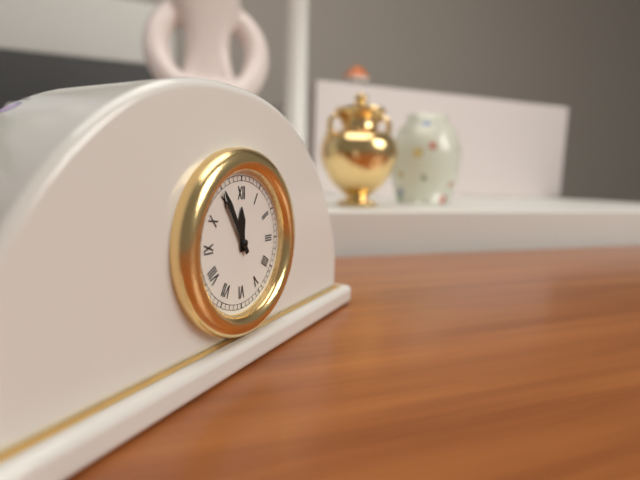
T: 11:55
